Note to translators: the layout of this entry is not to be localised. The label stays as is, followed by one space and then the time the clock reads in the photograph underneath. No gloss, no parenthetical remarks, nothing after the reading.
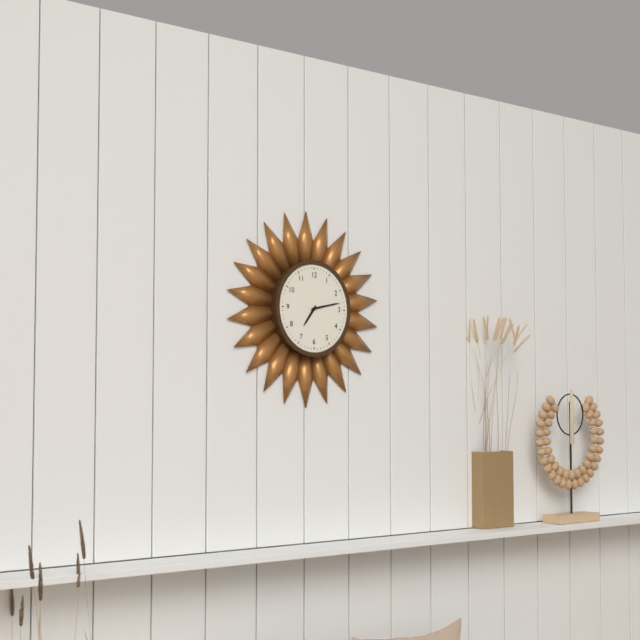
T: 7:13
